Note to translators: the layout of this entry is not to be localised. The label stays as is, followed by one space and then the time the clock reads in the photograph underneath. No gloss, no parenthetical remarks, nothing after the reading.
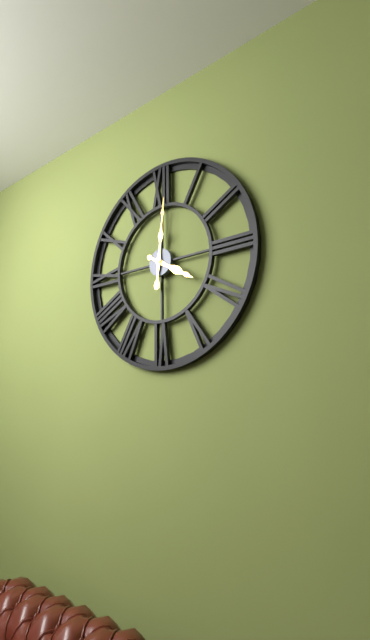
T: 4:01
